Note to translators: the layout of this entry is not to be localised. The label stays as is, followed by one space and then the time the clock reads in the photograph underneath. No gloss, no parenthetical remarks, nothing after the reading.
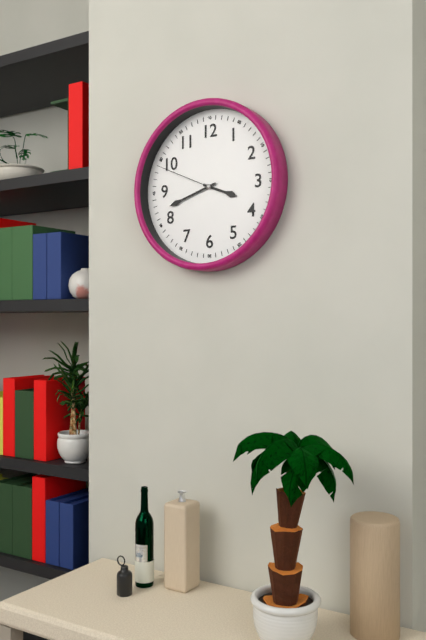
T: 3:42:49
